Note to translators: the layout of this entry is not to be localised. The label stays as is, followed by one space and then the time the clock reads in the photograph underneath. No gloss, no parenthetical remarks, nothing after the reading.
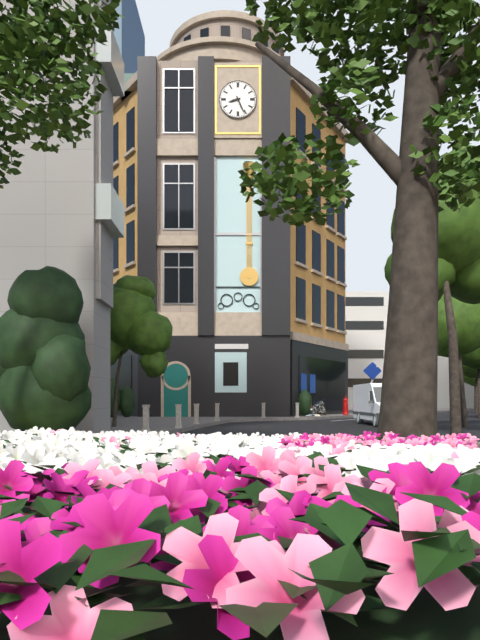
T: 8:26
